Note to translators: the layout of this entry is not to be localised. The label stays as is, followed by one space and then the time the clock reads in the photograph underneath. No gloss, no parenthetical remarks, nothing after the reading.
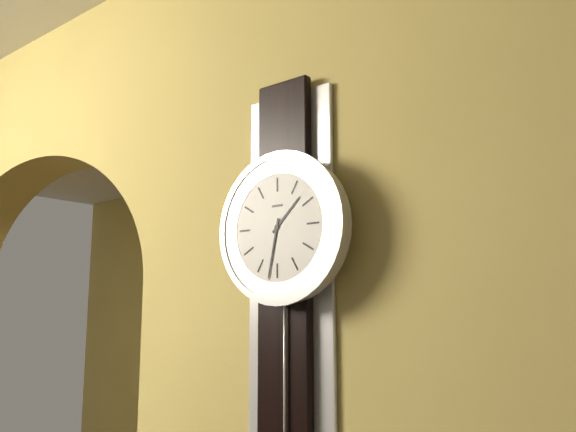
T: 1:32
